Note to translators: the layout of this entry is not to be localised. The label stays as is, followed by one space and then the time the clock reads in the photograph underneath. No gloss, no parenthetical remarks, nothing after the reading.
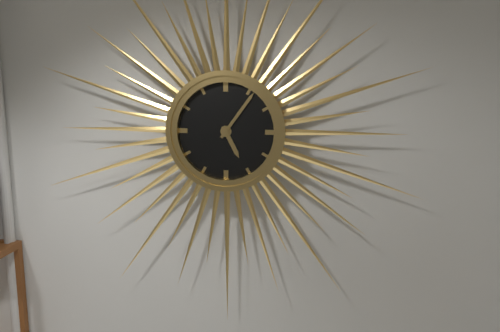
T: 5:06
